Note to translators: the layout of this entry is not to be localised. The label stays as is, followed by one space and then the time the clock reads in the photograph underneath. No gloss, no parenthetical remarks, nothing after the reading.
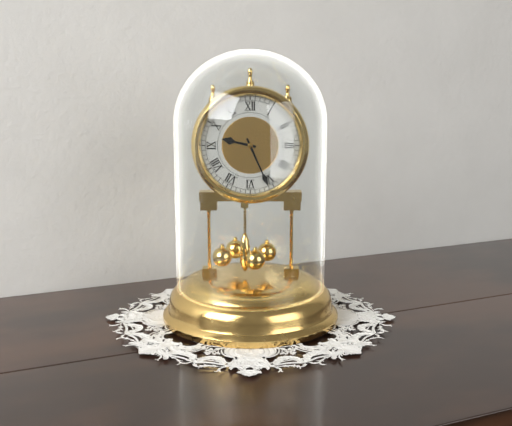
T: 9:26
